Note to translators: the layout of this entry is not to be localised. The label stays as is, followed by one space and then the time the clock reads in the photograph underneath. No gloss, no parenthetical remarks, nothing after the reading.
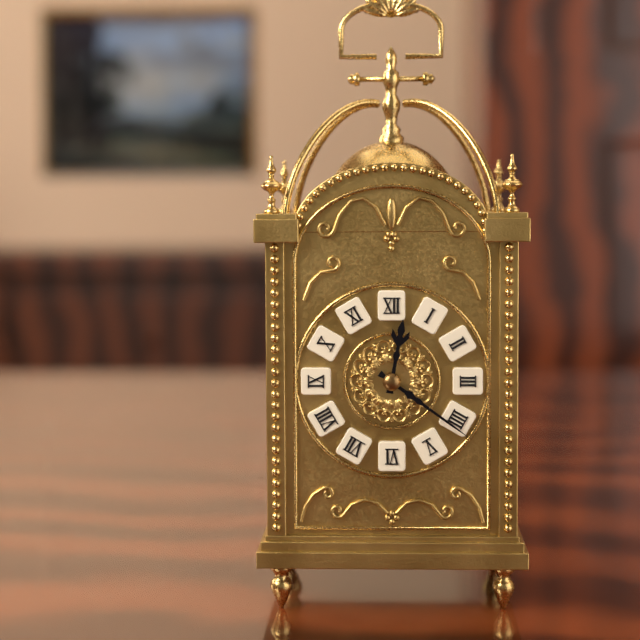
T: 12:21
